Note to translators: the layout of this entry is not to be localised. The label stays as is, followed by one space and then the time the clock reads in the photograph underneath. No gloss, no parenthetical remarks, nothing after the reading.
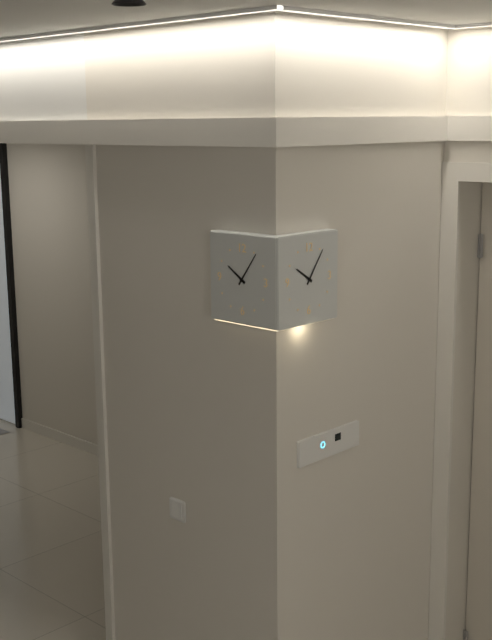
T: 10:06
